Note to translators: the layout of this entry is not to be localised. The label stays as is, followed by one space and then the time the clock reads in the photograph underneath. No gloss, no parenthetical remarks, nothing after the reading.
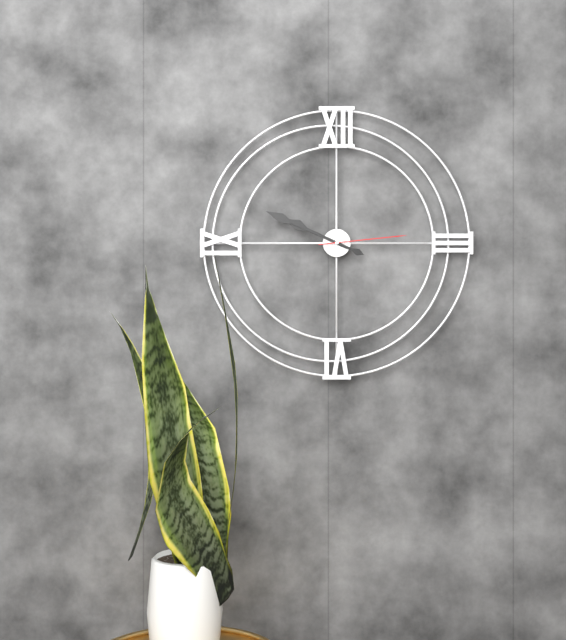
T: 9:49:14
